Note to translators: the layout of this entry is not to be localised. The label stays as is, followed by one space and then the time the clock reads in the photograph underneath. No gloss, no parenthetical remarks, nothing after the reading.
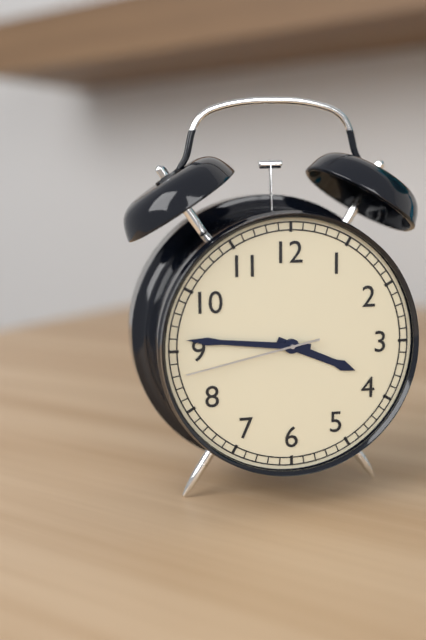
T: 3:46:43
